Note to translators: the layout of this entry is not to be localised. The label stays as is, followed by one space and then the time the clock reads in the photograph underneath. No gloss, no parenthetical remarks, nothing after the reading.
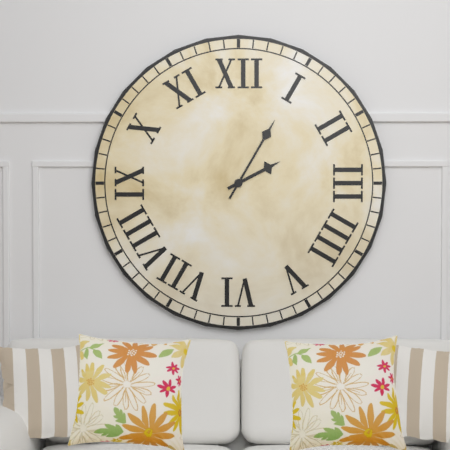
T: 2:05
